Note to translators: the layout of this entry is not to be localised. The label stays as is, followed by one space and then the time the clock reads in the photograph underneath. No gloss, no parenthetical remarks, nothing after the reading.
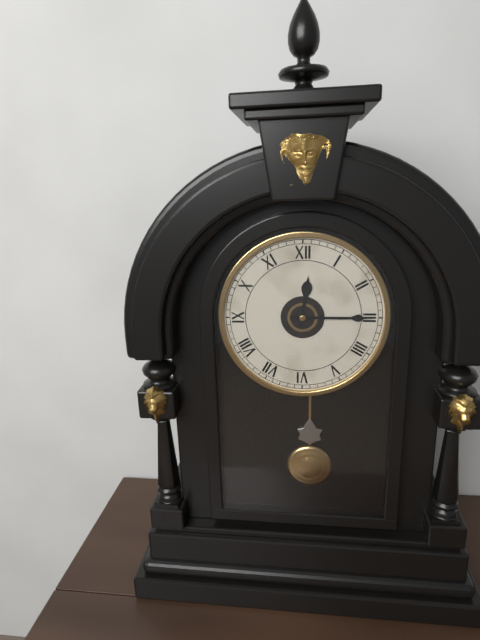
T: 12:15
